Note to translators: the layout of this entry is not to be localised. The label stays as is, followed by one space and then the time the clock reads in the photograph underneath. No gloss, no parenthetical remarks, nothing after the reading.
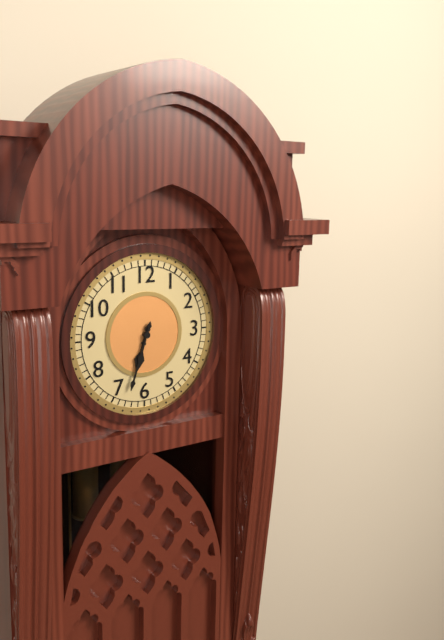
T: 6:33
